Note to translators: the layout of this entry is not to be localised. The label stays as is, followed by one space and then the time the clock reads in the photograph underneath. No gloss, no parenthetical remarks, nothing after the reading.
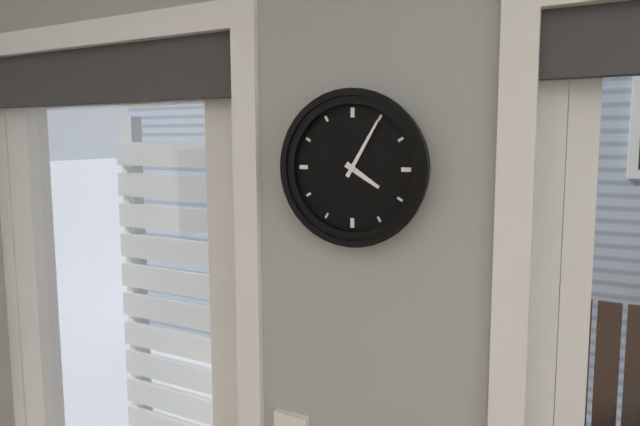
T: 4:05
